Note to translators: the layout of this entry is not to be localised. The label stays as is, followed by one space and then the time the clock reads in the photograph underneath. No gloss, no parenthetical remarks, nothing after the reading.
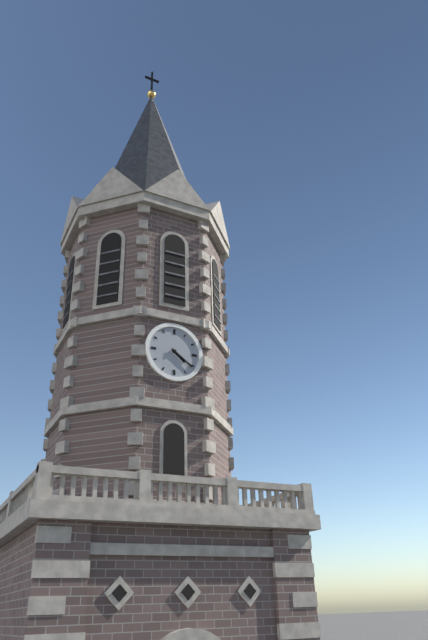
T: 4:21
